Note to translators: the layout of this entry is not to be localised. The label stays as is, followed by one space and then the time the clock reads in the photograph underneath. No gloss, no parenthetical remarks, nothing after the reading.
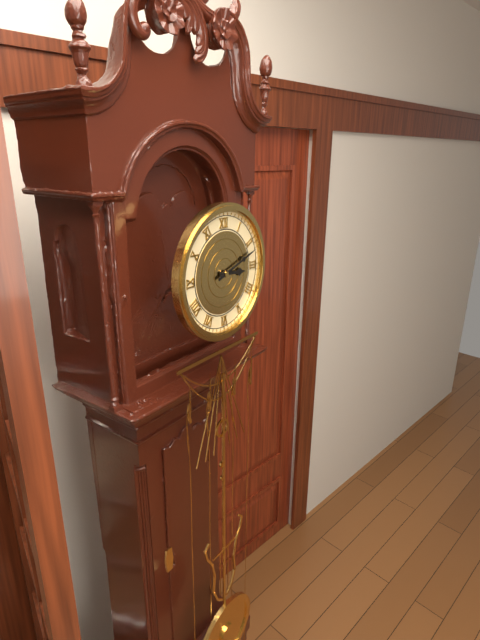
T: 3:12
